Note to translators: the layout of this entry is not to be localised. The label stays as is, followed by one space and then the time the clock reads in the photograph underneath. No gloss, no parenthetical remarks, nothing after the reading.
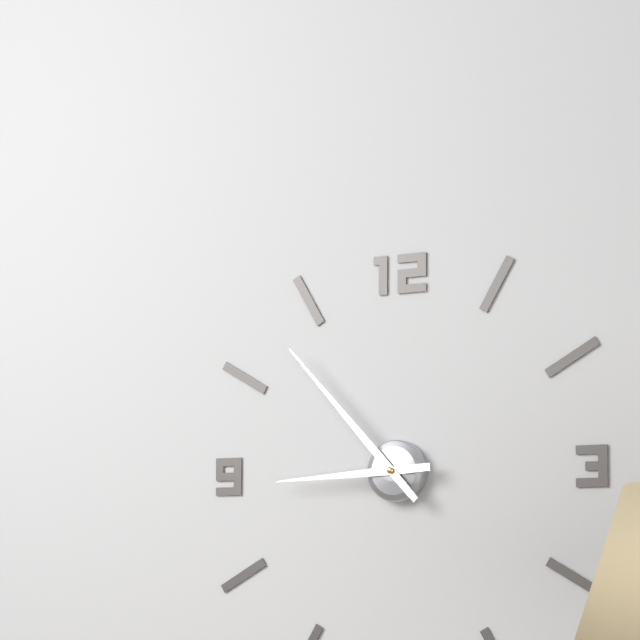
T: 8:53
